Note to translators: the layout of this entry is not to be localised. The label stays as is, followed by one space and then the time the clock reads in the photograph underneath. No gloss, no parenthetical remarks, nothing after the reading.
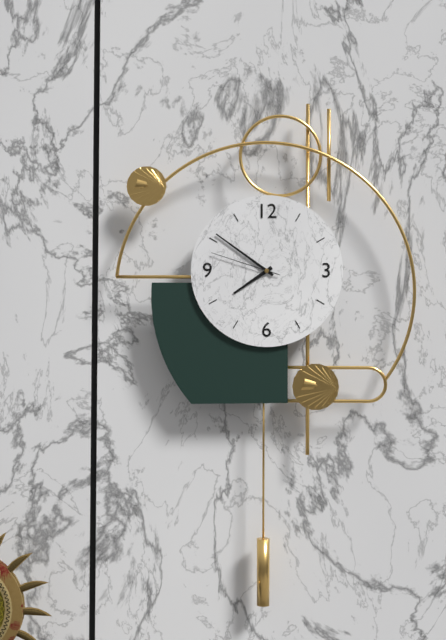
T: 7:51:48
